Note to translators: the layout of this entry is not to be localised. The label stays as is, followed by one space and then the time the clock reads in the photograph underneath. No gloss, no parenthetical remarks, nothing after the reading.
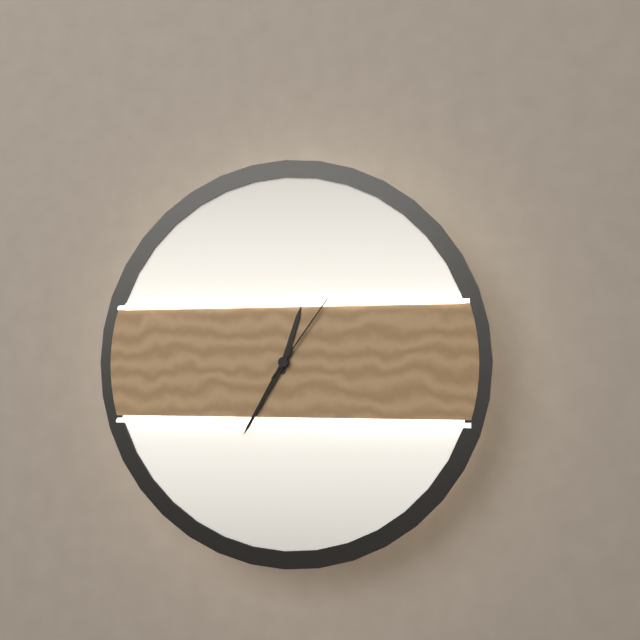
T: 12:35:06
